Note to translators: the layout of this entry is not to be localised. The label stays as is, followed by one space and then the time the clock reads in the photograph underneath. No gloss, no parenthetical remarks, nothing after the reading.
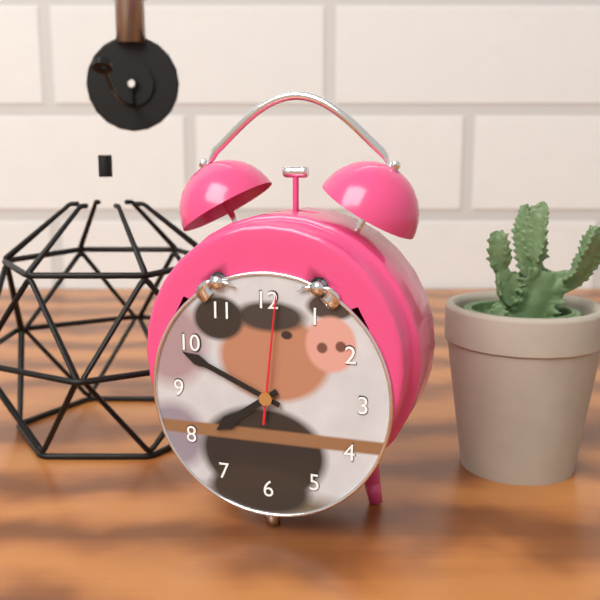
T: 7:49:01
